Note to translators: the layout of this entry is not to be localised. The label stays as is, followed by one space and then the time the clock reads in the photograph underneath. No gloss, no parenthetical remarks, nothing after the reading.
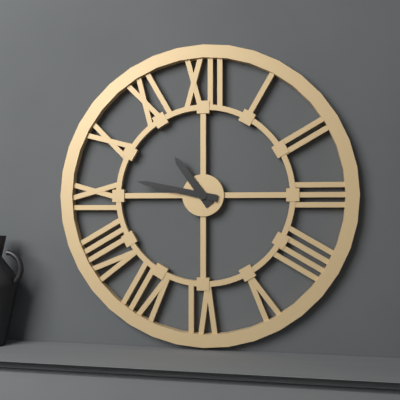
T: 10:47
